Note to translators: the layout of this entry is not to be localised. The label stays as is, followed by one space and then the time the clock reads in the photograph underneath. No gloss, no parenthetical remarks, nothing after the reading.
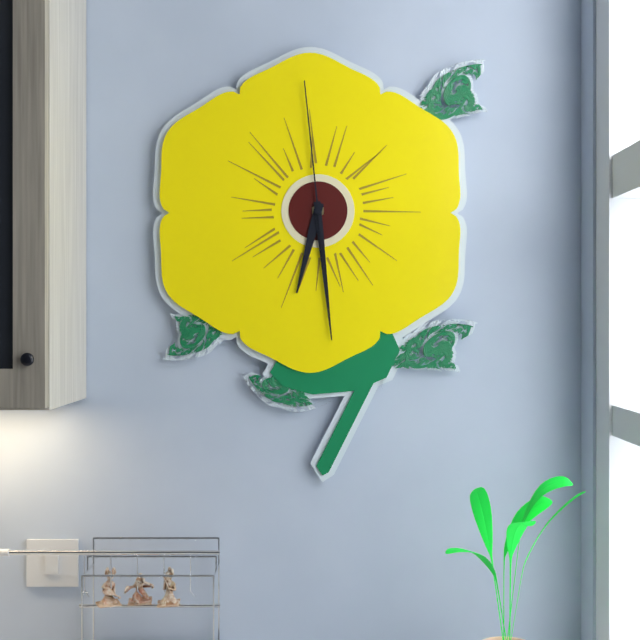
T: 6:29:59
